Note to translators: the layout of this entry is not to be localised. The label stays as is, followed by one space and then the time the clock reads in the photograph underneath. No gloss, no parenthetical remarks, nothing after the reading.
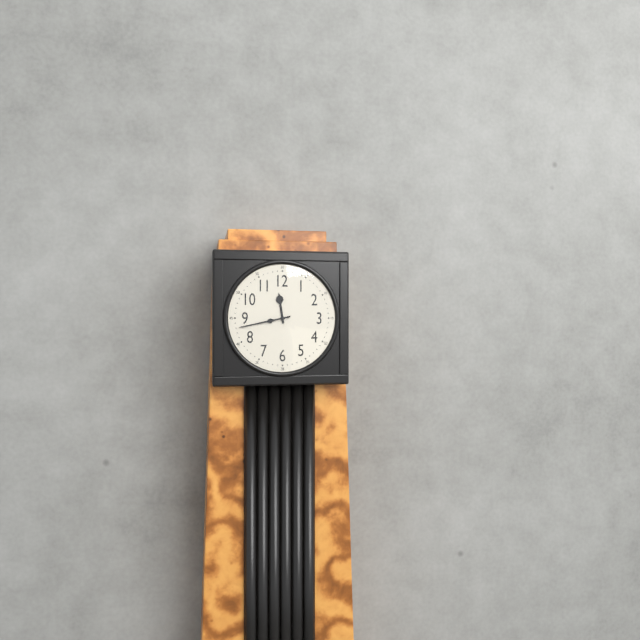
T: 11:43
